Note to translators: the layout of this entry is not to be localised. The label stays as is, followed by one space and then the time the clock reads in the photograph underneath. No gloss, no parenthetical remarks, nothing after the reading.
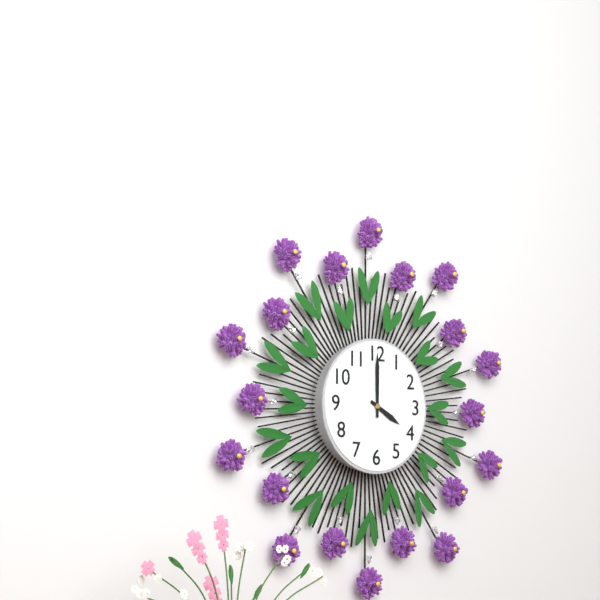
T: 4:00
